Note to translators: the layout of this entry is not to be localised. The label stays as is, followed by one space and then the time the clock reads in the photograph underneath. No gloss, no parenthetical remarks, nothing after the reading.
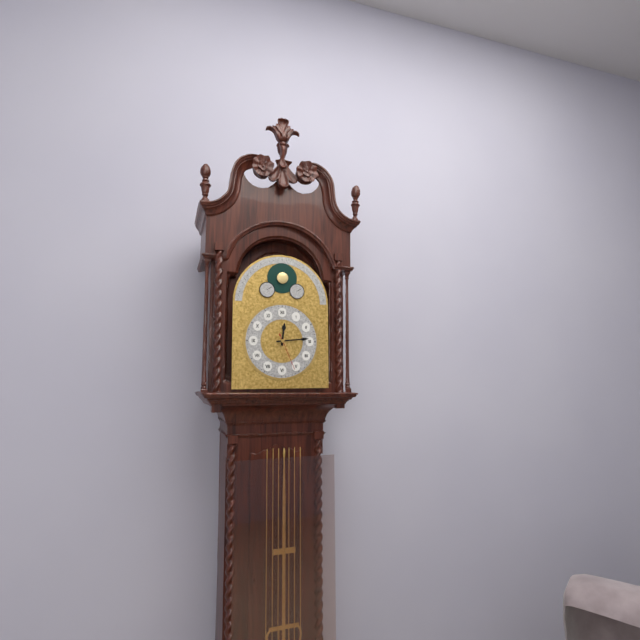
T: 12:14
